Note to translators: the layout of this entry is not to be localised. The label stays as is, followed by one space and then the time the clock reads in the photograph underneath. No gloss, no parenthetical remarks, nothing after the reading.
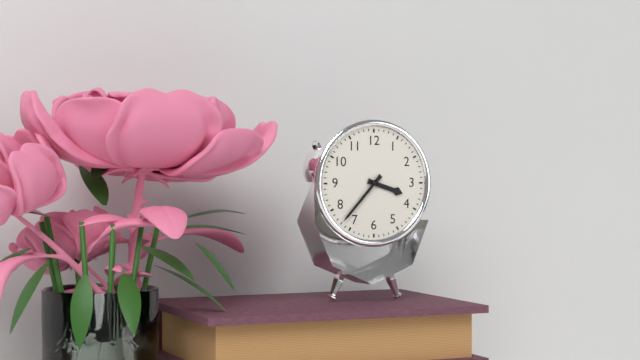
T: 3:37
